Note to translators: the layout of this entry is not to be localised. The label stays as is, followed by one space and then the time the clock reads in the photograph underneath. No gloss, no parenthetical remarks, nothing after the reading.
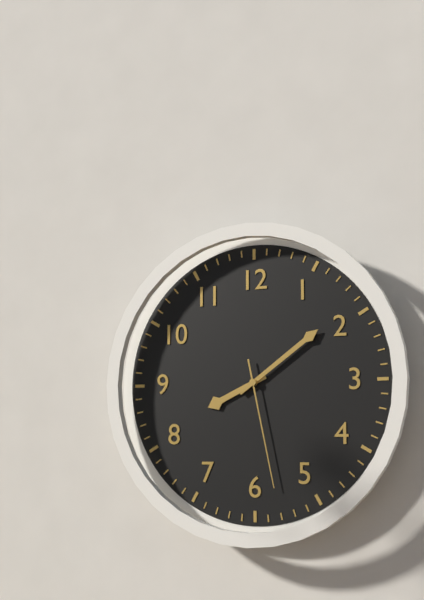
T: 8:09:28
